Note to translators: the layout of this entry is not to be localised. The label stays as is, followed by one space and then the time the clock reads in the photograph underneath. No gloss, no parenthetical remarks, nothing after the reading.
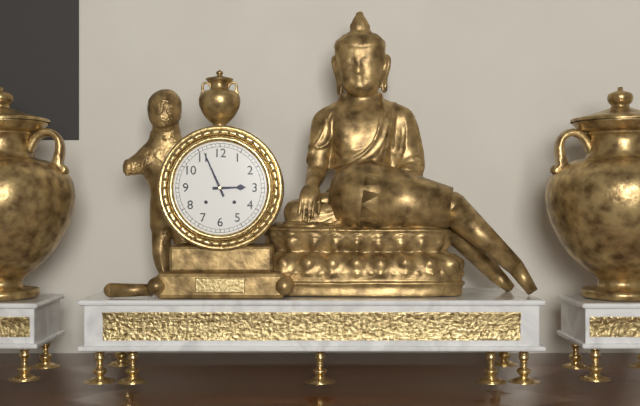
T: 2:56
